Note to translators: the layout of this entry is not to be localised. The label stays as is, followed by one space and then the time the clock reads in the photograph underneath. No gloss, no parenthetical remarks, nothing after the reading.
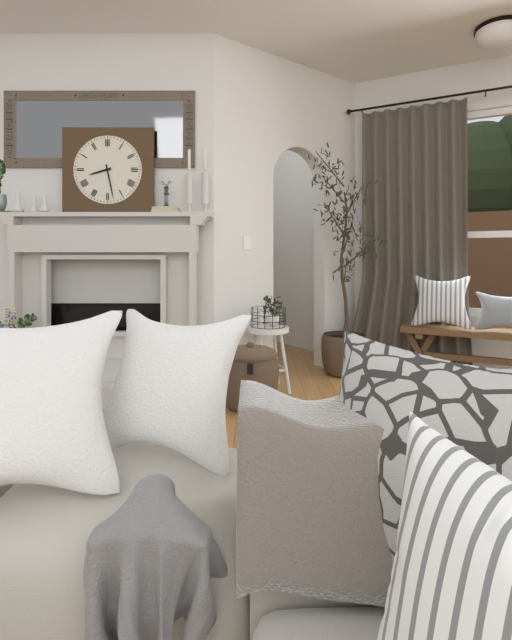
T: 8:28
